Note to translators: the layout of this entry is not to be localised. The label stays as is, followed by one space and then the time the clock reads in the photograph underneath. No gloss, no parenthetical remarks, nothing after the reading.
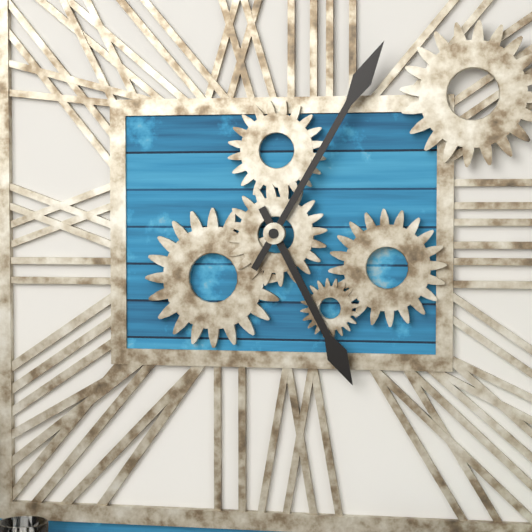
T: 5:05
